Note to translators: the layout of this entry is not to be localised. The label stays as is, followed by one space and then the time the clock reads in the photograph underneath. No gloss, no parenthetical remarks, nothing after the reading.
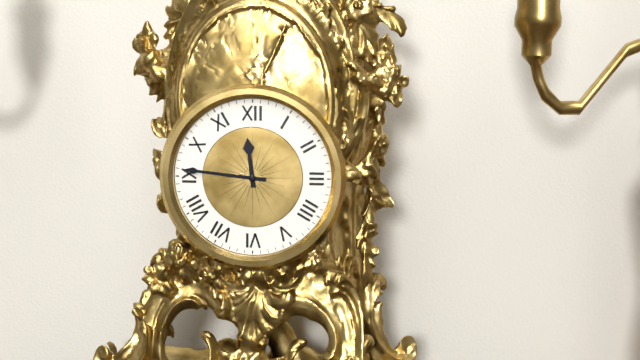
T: 11:46
